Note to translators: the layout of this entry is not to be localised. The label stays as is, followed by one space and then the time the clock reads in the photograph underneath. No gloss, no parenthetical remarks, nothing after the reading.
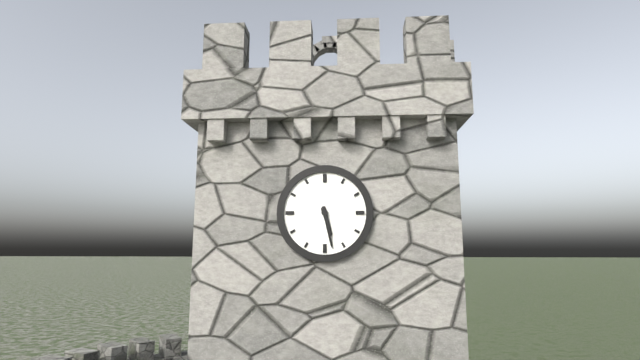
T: 5:28
